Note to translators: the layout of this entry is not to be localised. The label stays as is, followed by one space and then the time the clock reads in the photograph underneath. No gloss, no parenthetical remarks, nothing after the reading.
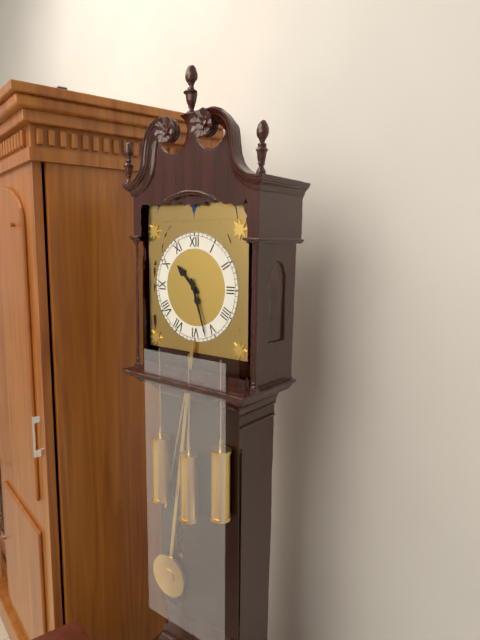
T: 10:27
